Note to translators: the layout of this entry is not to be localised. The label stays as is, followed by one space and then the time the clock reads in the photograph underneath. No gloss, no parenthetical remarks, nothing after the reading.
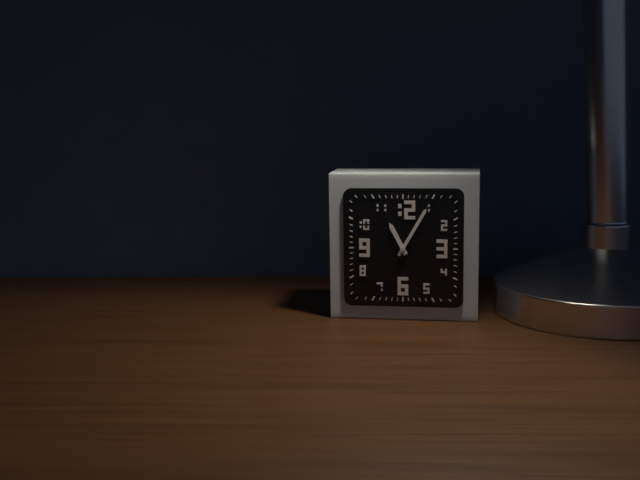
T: 11:05
